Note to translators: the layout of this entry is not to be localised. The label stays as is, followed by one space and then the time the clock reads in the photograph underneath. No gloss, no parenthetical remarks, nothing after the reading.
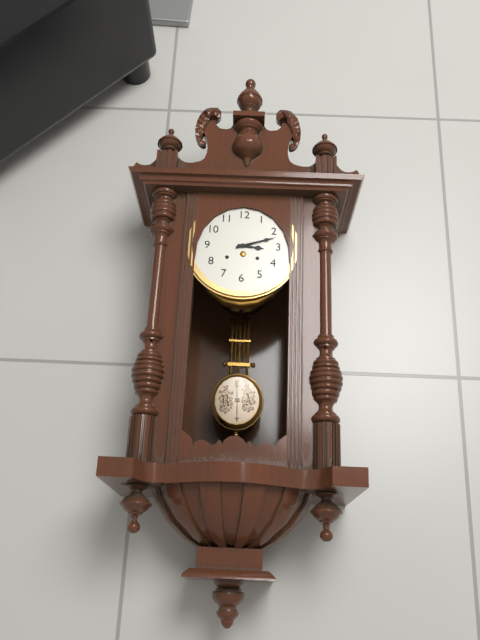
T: 3:12
